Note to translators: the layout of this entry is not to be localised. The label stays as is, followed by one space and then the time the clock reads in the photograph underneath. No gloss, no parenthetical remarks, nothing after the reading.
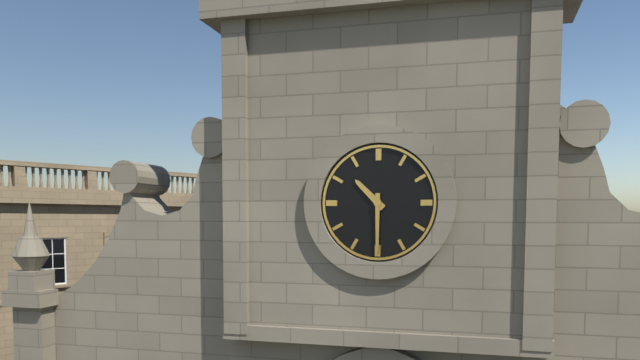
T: 10:30
